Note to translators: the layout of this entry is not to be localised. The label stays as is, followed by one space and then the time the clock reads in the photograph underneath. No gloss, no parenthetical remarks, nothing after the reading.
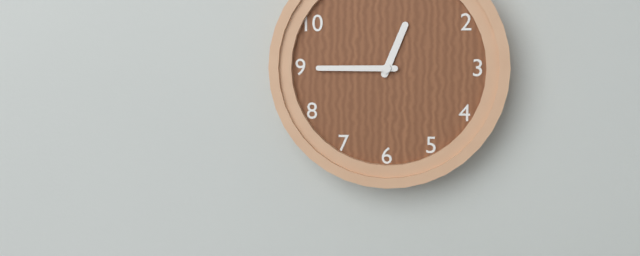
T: 12:45
